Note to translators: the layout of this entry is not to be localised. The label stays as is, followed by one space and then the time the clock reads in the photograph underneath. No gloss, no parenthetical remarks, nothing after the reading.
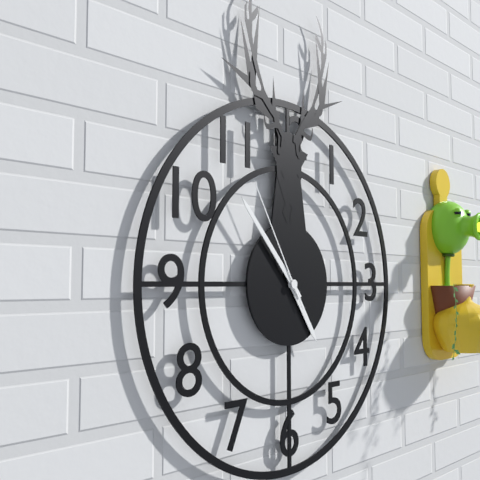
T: 4:53:55
